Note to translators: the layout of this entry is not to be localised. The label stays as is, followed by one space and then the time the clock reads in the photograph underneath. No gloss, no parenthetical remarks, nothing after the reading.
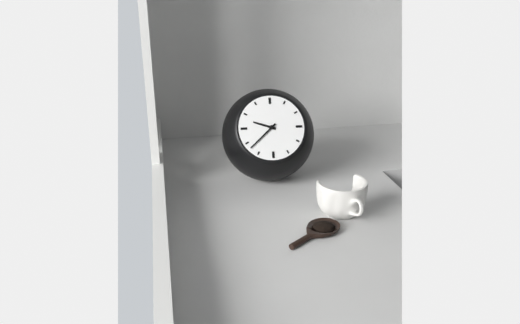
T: 9:38
